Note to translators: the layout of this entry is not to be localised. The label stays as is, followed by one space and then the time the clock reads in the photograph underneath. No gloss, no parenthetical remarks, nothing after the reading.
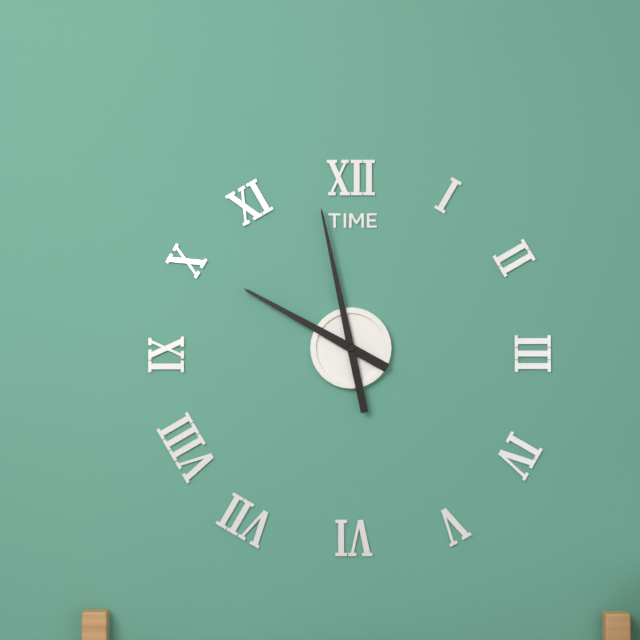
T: 9:58
